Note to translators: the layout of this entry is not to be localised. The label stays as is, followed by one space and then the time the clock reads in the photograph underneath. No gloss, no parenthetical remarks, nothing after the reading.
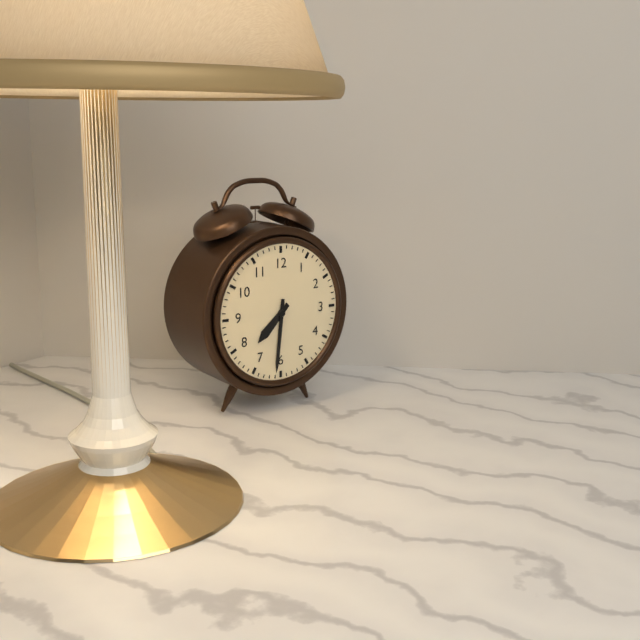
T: 7:31
